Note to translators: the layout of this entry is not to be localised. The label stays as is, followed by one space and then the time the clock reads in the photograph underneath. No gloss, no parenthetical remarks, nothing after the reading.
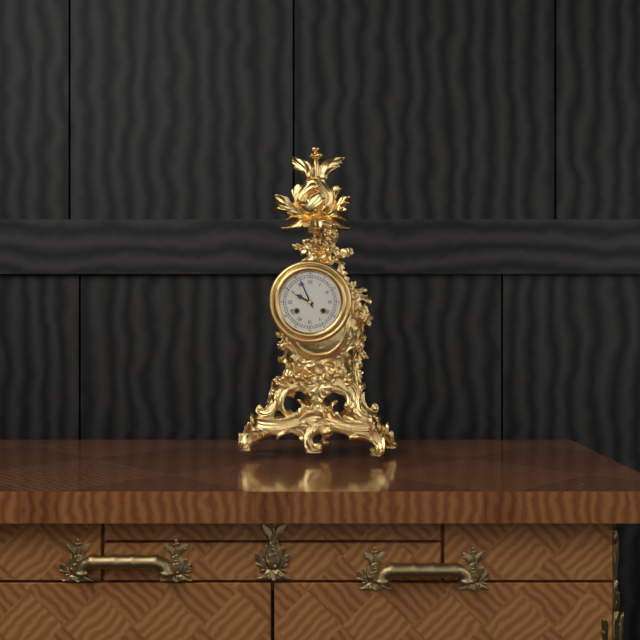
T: 9:56
